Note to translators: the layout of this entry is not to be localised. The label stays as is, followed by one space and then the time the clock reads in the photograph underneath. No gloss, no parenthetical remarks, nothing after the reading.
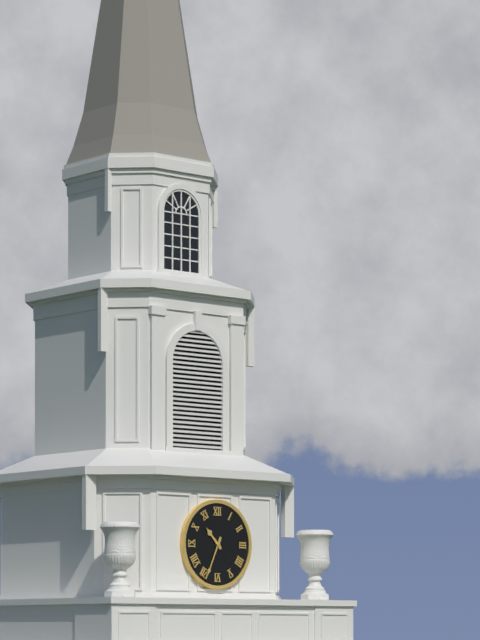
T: 10:34
